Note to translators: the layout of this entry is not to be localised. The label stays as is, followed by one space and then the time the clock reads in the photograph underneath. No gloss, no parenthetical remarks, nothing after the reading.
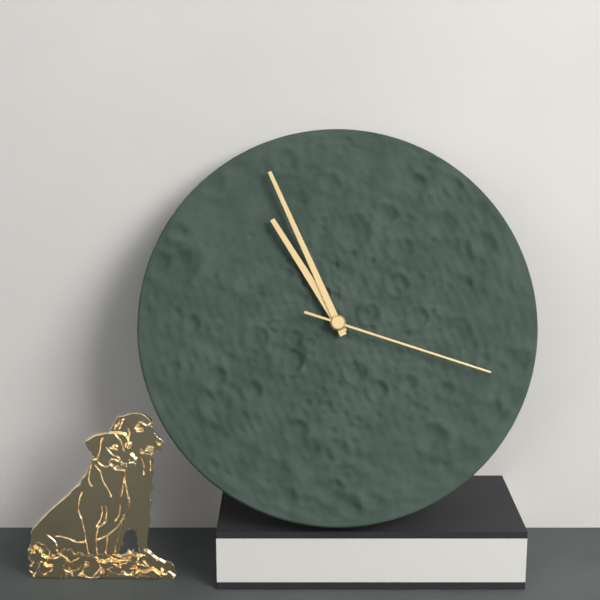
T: 10:56:18
